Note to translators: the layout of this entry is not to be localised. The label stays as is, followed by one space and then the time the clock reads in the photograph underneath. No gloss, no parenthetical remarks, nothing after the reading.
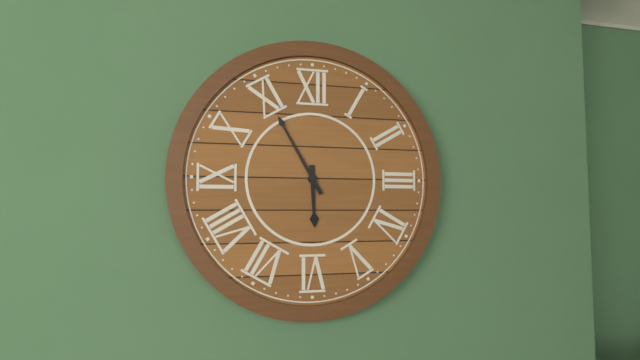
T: 5:55
